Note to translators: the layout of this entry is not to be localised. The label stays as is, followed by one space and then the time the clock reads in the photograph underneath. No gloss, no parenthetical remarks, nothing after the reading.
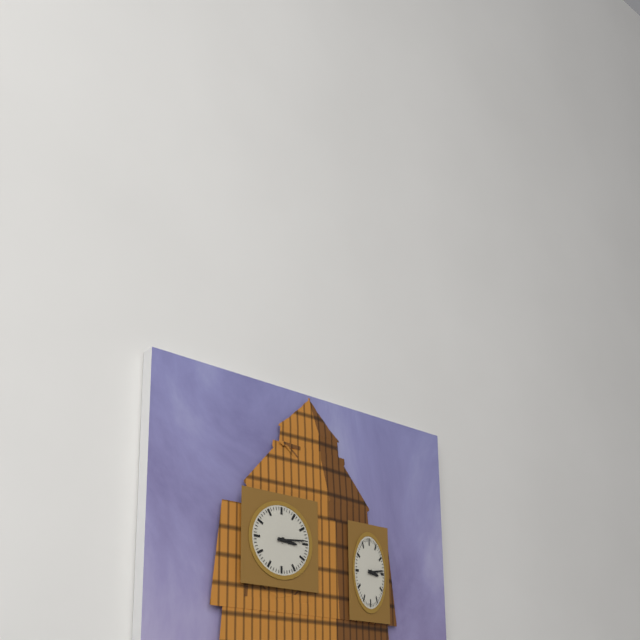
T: 3:14
